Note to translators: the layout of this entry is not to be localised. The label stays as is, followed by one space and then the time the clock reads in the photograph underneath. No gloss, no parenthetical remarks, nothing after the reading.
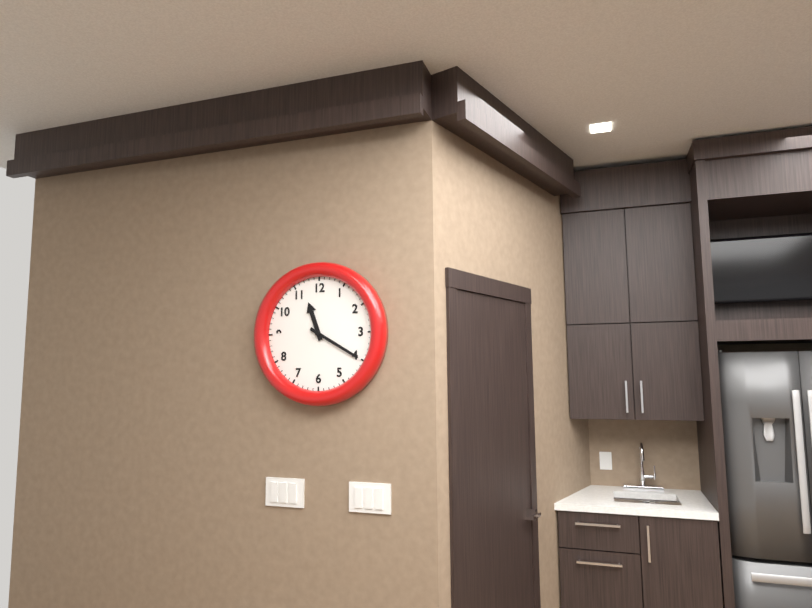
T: 11:20
